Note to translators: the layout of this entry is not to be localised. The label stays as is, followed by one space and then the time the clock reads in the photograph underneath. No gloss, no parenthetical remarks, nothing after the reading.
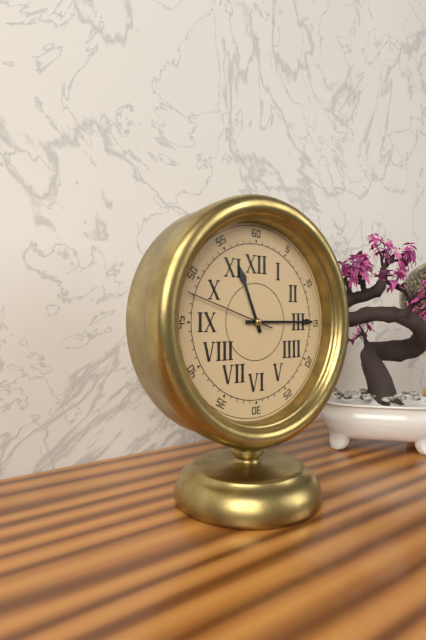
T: 11:15:48
